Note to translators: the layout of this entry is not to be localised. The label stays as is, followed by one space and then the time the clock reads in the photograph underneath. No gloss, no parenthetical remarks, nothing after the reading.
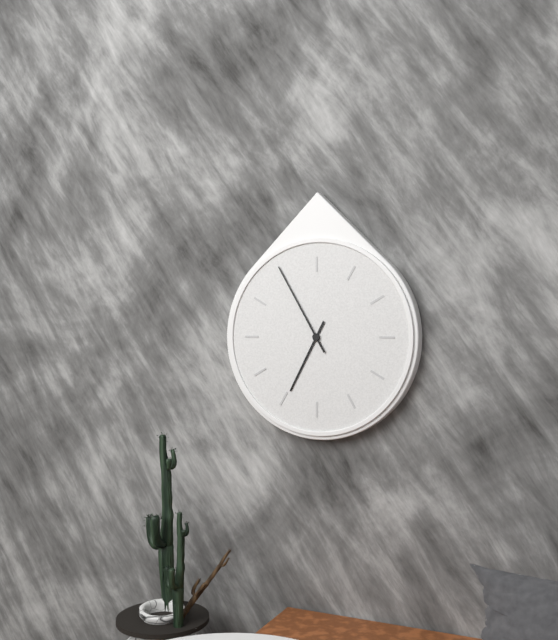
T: 6:55
